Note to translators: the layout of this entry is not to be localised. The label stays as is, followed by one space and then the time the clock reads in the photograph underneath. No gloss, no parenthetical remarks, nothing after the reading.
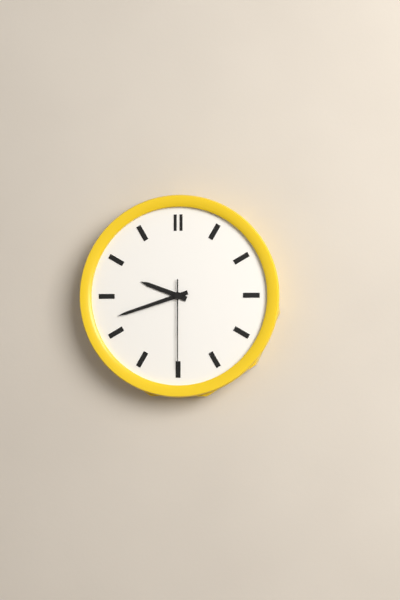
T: 9:42:30
